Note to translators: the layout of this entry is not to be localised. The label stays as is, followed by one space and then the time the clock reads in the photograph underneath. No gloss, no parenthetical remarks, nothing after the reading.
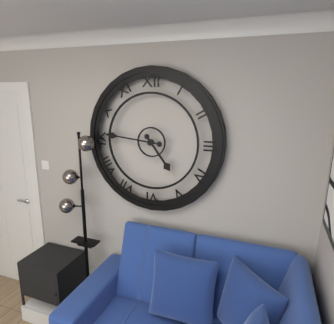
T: 4:46
